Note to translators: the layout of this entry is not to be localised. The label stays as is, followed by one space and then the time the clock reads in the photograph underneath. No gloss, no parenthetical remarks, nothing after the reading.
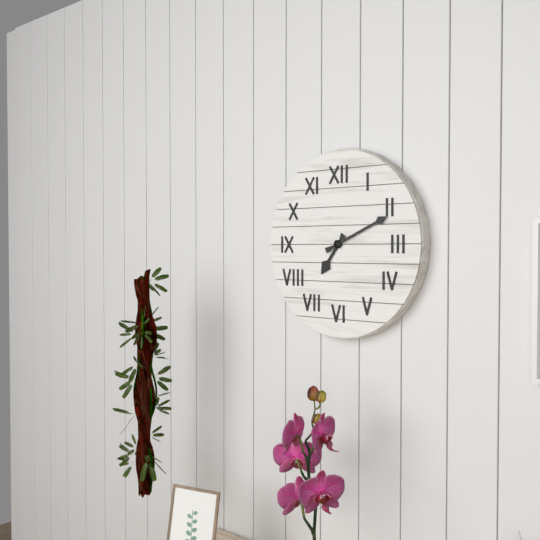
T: 7:11
